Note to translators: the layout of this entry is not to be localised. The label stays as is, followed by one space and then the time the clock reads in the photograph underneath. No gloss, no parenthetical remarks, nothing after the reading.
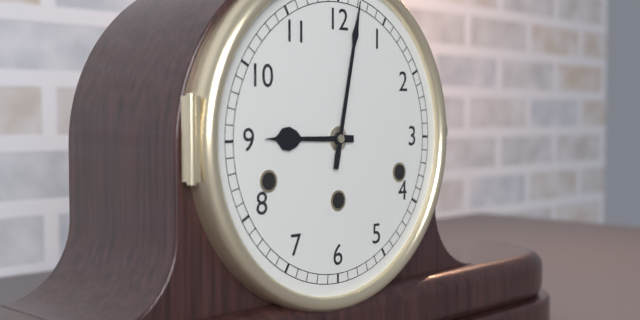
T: 9:02
